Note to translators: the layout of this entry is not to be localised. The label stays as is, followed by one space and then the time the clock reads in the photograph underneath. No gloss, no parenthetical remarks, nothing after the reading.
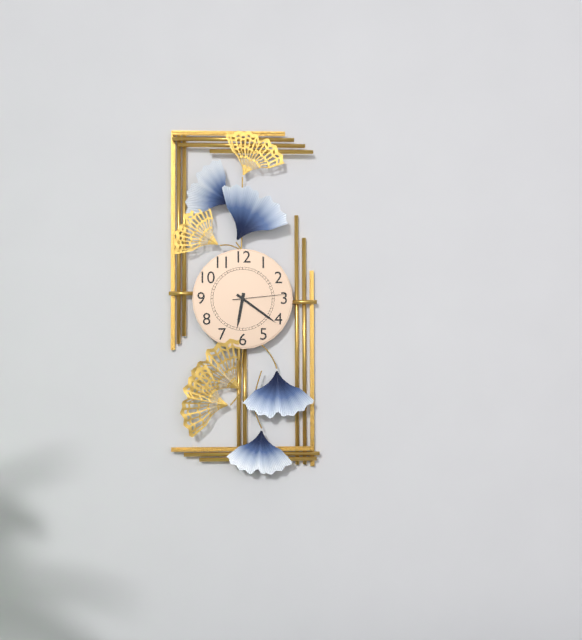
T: 6:21:14
